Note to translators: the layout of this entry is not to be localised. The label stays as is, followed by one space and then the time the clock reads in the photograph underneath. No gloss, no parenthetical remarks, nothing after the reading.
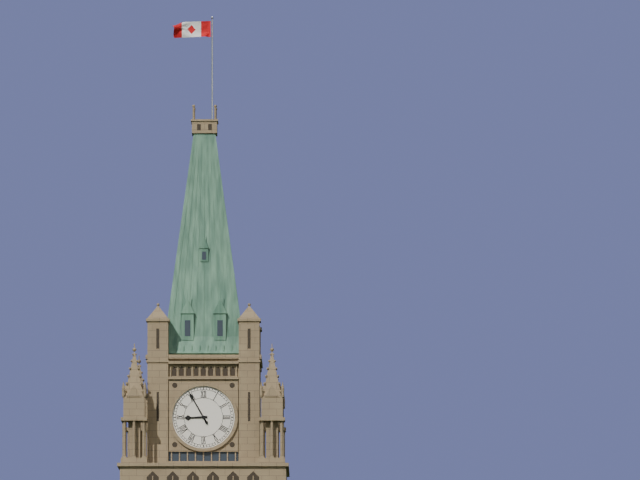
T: 8:55
